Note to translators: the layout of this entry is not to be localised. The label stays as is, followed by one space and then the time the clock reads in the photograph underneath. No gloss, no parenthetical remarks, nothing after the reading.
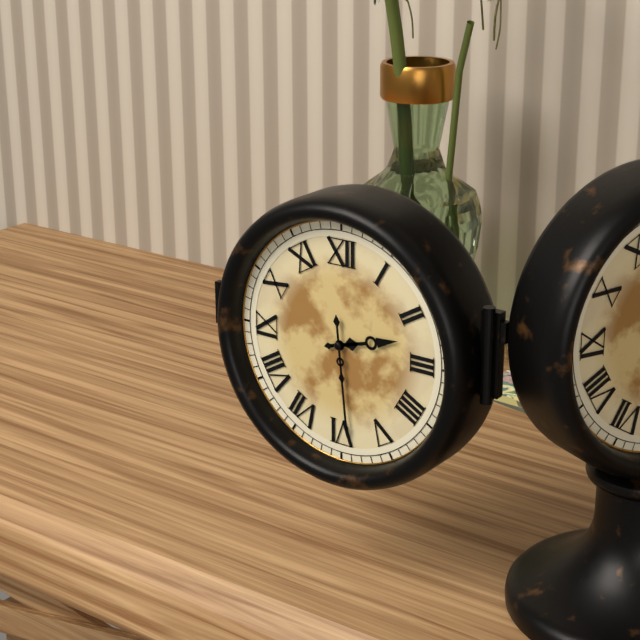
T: 2:29
